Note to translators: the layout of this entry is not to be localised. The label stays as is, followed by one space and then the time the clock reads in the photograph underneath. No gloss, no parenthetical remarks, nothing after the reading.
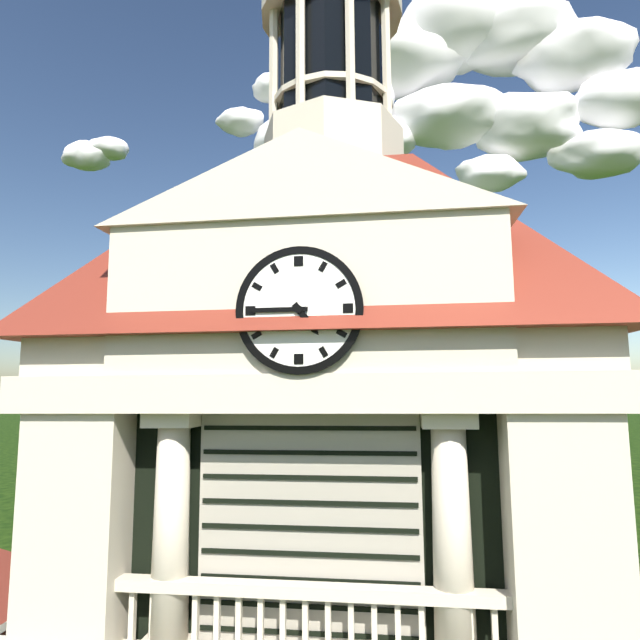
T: 4:45
